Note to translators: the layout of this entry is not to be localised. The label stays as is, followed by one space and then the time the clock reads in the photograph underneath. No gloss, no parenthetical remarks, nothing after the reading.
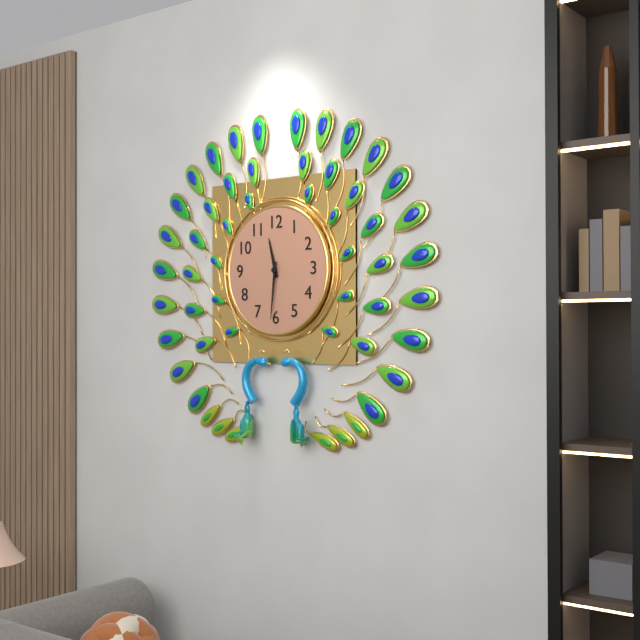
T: 11:31
